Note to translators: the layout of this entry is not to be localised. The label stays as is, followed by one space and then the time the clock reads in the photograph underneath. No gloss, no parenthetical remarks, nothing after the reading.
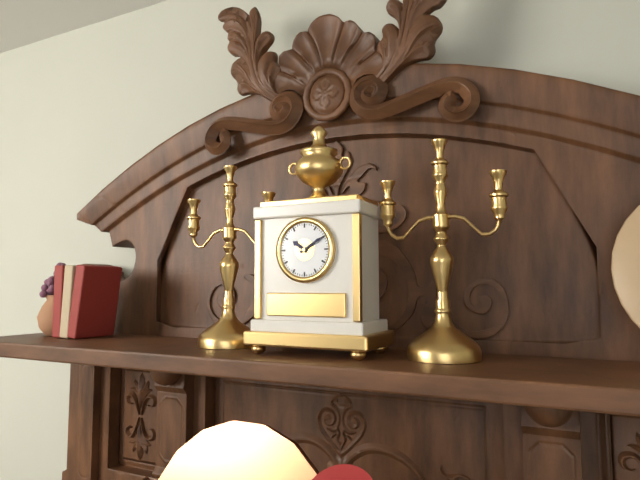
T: 10:10
